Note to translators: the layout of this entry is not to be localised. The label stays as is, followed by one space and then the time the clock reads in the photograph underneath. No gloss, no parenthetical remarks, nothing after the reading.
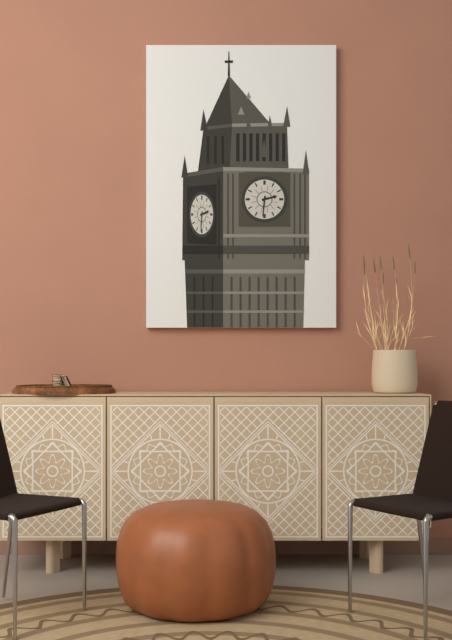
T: 2:31
